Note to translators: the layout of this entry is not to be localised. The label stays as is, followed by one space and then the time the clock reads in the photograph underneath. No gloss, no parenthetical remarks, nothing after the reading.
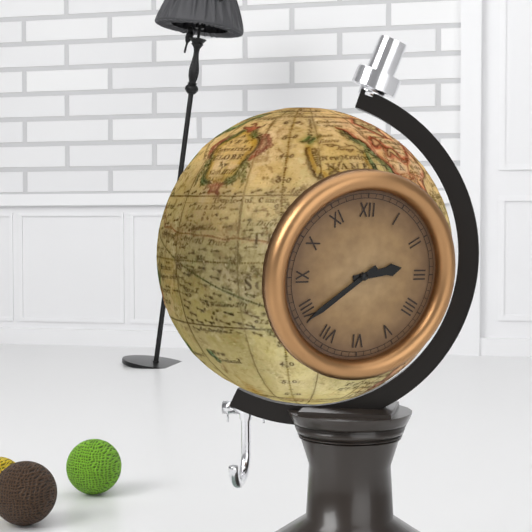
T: 2:39
